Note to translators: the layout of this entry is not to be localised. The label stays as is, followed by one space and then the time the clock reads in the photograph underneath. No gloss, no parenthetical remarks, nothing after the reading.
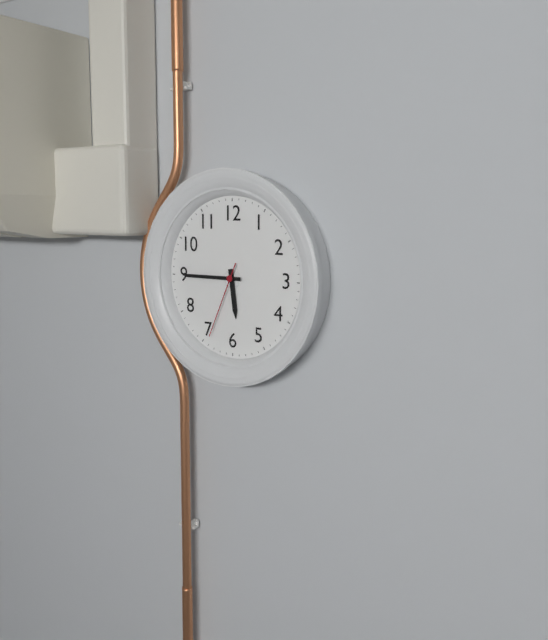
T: 5:45:34
